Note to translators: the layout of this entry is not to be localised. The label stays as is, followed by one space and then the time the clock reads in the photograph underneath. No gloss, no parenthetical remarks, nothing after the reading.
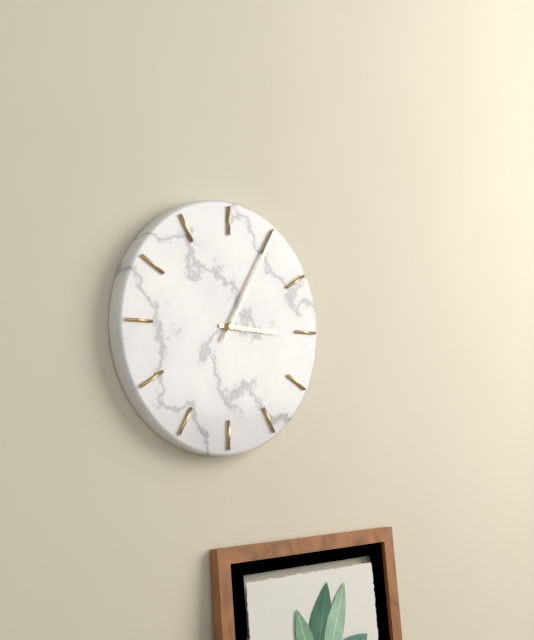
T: 3:05
